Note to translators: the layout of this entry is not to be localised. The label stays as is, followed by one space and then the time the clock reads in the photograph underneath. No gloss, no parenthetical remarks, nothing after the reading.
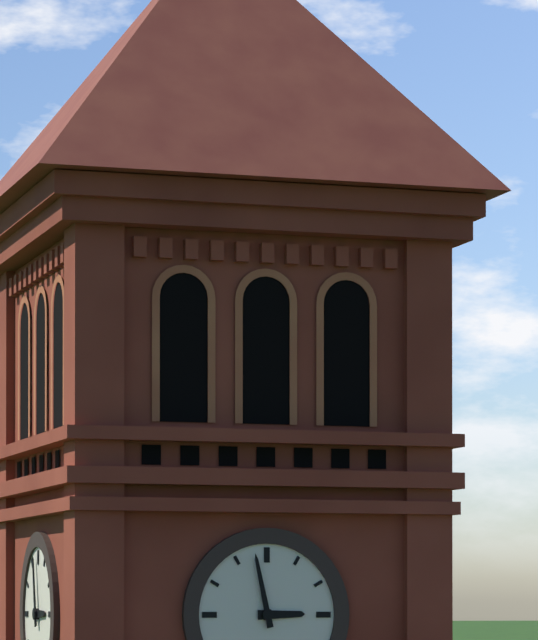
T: 2:58
